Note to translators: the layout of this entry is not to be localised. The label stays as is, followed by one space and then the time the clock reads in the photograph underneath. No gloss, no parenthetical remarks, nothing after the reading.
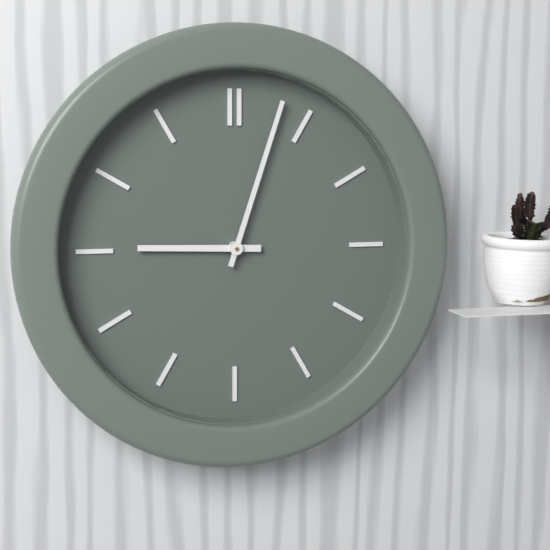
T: 9:03
